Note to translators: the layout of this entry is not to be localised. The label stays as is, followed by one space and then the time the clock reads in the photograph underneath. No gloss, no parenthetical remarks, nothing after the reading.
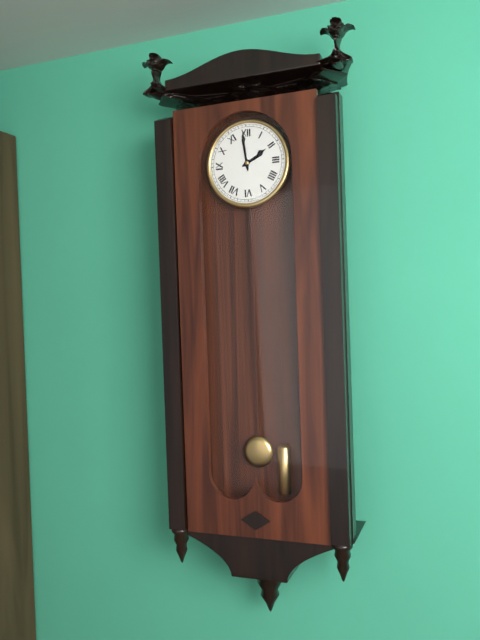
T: 1:59
